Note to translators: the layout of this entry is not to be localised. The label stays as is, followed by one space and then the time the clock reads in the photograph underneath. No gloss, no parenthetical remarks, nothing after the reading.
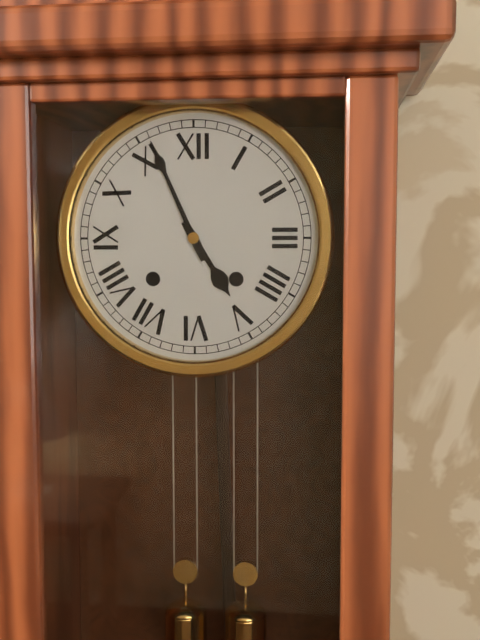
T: 4:56
